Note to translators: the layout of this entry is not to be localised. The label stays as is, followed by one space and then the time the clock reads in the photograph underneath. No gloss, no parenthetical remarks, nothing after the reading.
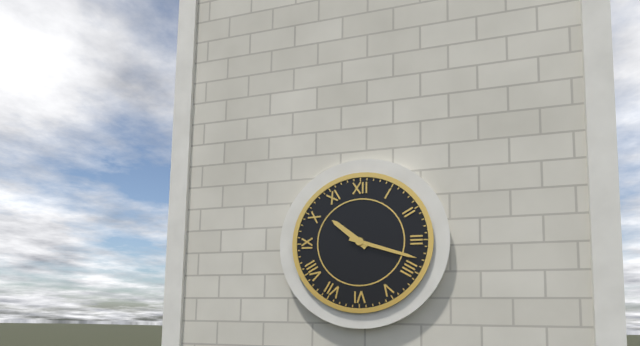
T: 10:18
